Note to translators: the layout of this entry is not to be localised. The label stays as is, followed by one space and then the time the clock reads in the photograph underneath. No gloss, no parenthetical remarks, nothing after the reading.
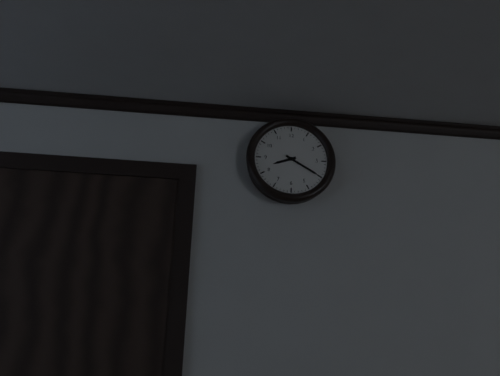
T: 8:20
